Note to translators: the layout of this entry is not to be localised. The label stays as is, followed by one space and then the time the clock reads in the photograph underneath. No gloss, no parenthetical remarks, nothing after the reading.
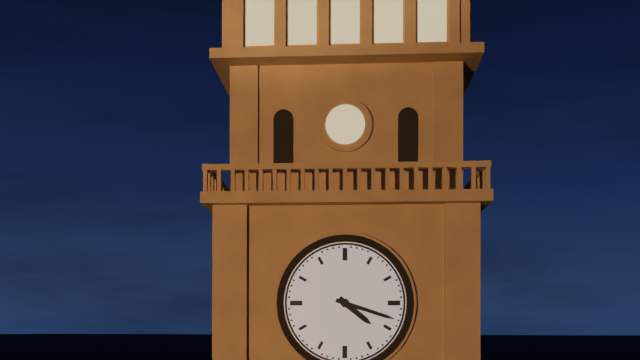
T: 4:18
